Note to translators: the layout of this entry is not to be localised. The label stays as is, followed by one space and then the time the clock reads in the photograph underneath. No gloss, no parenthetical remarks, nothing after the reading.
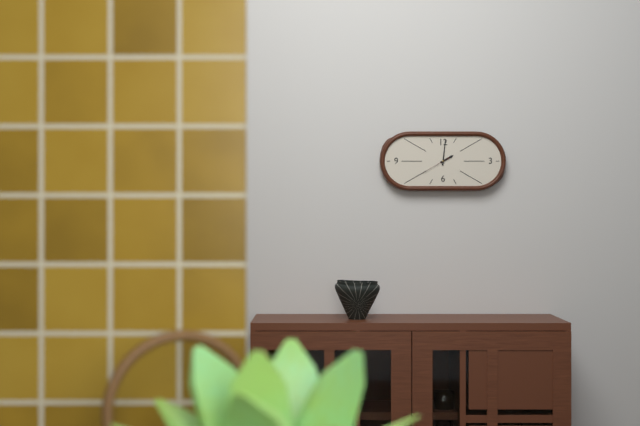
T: 2:01
